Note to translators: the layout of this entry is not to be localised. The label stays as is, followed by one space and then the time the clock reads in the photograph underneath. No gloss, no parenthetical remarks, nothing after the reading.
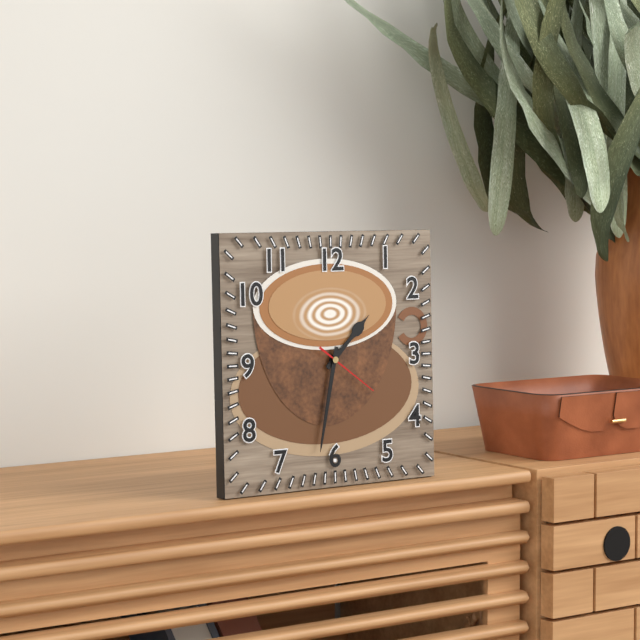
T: 1:32:21
